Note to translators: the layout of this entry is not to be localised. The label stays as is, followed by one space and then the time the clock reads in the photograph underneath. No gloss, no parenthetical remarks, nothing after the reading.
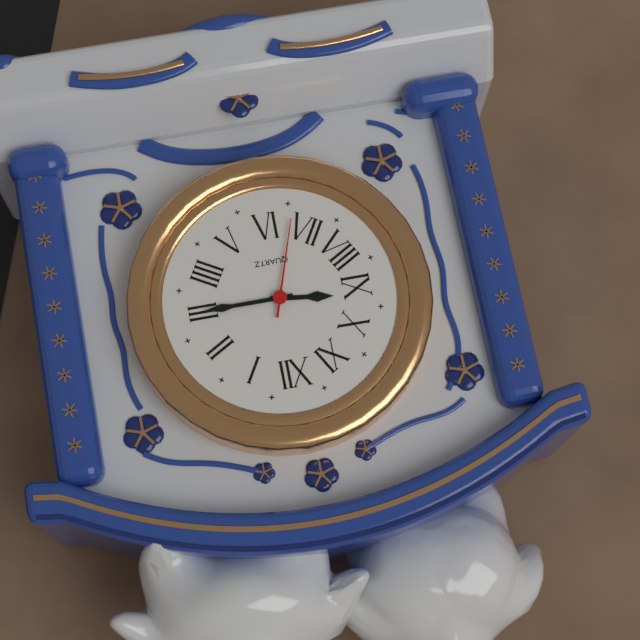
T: 9:15:33
